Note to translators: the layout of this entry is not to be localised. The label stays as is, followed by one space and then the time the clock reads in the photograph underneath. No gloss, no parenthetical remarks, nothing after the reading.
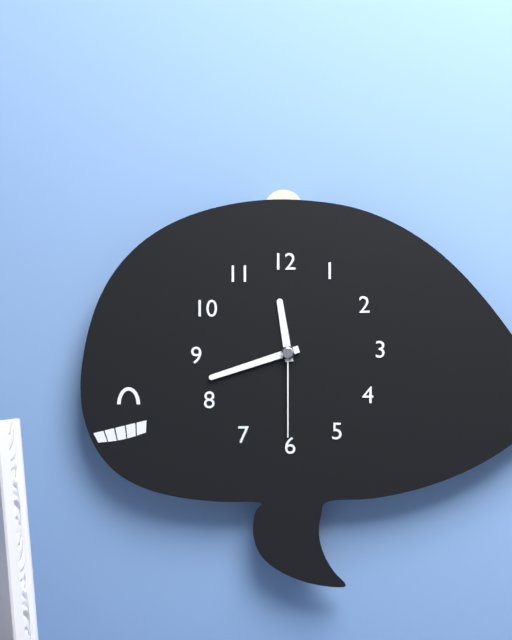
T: 11:42:30
